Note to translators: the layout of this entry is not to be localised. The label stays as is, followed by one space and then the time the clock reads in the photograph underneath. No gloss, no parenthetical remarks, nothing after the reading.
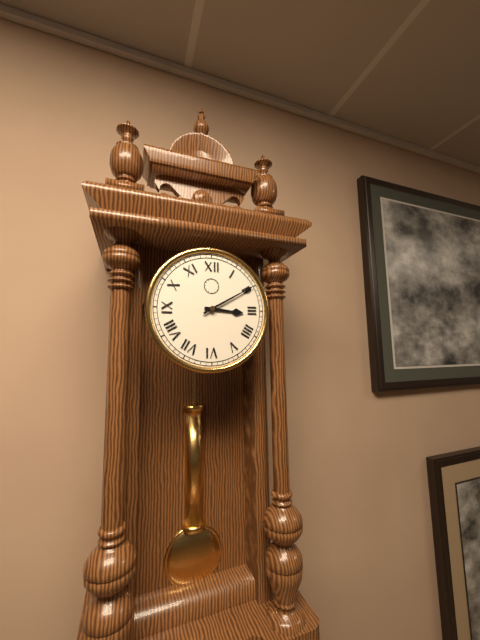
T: 3:10
